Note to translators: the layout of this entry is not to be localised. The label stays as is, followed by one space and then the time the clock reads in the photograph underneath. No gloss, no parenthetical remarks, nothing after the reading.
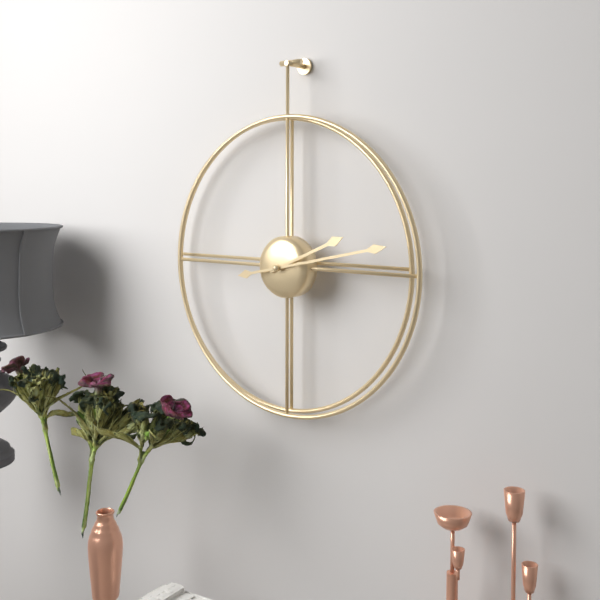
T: 2:13
